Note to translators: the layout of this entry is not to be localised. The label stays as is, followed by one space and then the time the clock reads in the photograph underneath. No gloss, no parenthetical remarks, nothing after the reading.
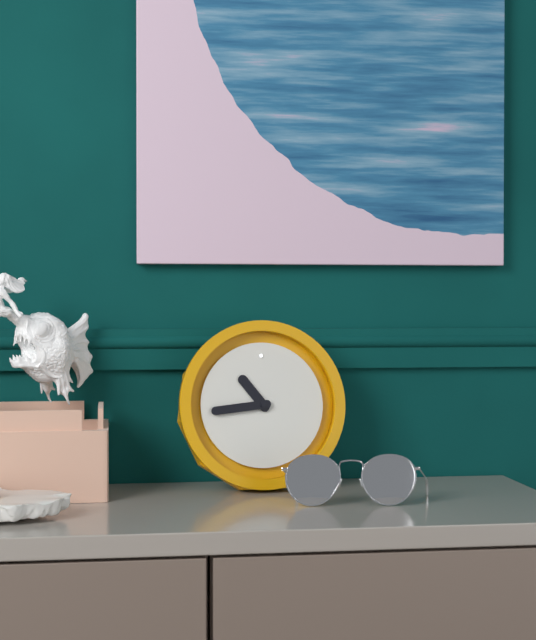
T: 10:44
